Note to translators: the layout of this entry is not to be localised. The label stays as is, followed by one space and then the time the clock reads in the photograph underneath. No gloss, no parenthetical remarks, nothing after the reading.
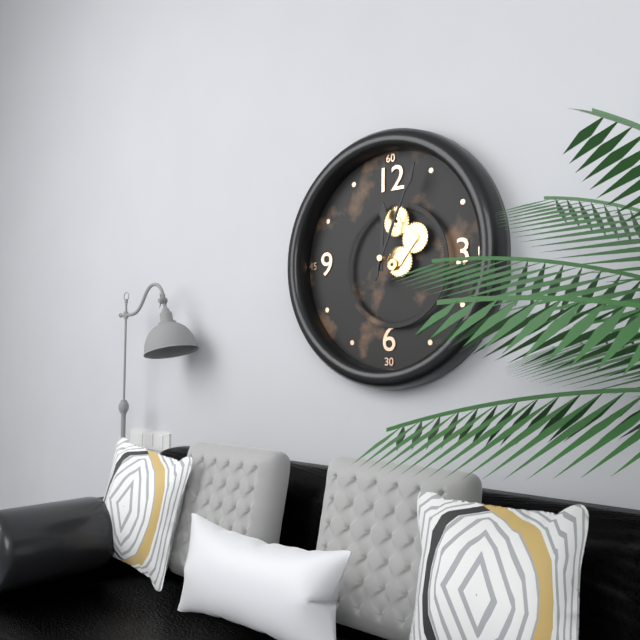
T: 12:04
